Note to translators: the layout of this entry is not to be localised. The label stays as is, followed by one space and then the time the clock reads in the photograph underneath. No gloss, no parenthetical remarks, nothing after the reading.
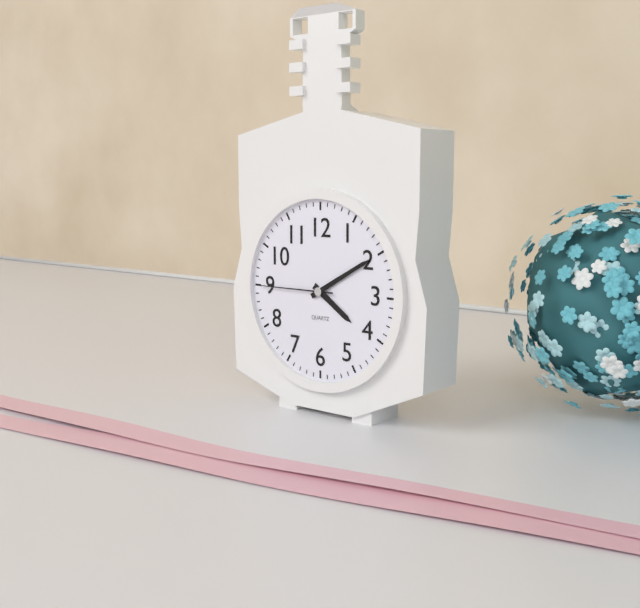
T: 4:10:45
